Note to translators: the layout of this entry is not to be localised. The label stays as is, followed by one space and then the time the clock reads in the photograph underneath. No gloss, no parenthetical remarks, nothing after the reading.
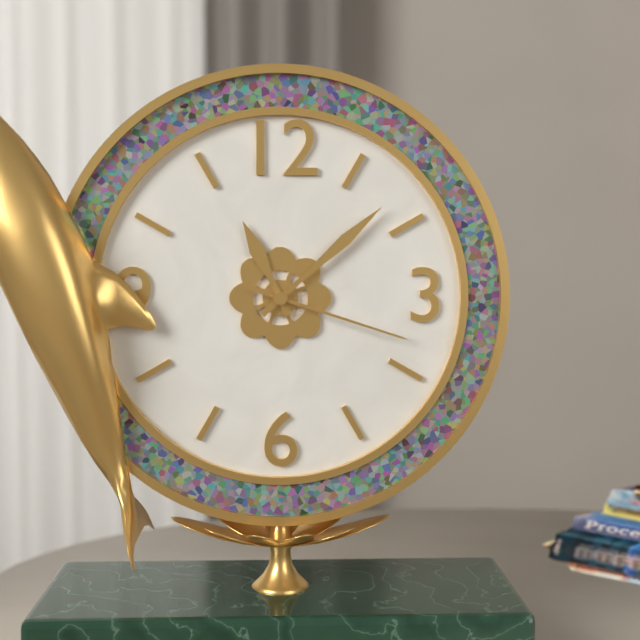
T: 11:08:18
